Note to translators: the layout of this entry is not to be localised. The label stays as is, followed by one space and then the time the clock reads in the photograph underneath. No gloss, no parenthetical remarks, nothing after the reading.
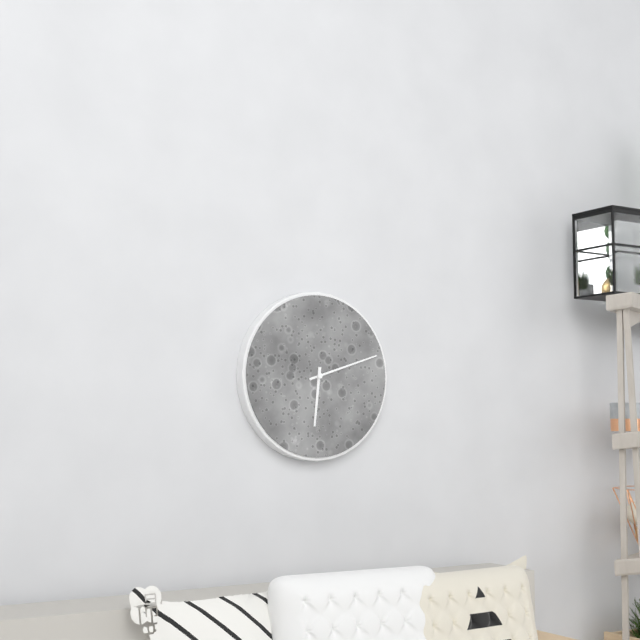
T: 6:12
